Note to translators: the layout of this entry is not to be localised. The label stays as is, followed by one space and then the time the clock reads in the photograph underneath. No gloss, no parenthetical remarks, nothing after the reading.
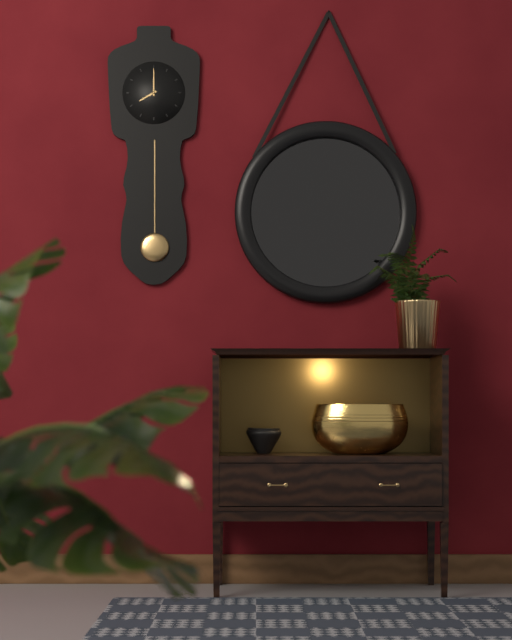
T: 8:00
